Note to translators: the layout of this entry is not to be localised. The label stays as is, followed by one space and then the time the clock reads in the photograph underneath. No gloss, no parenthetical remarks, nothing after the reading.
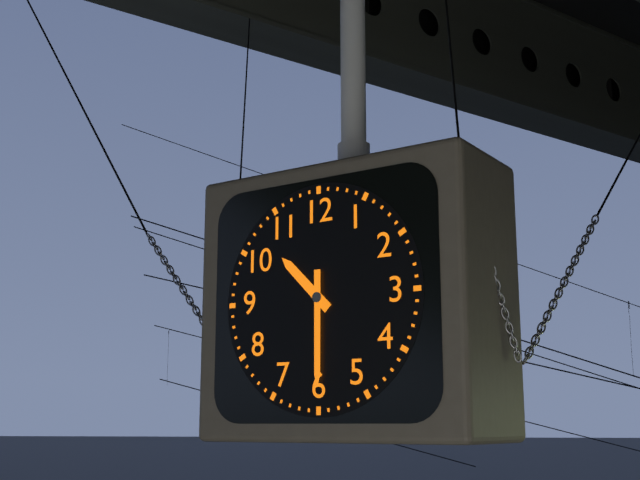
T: 10:30
